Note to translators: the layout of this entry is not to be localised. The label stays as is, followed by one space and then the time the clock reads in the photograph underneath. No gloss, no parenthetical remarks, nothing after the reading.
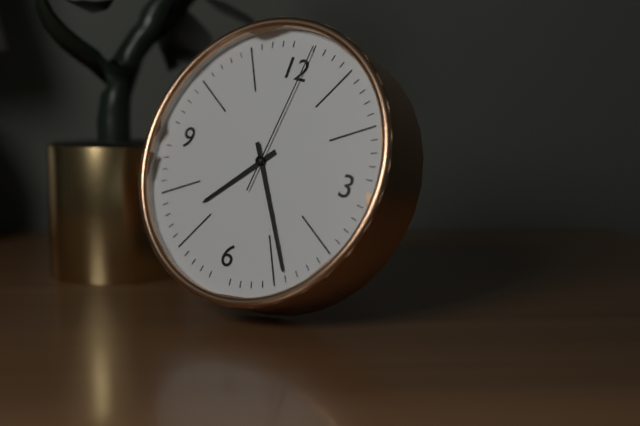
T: 7:24:01
